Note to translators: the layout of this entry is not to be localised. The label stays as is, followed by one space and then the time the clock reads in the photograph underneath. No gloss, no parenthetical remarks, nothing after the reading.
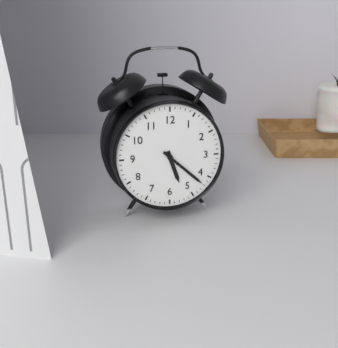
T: 5:22
